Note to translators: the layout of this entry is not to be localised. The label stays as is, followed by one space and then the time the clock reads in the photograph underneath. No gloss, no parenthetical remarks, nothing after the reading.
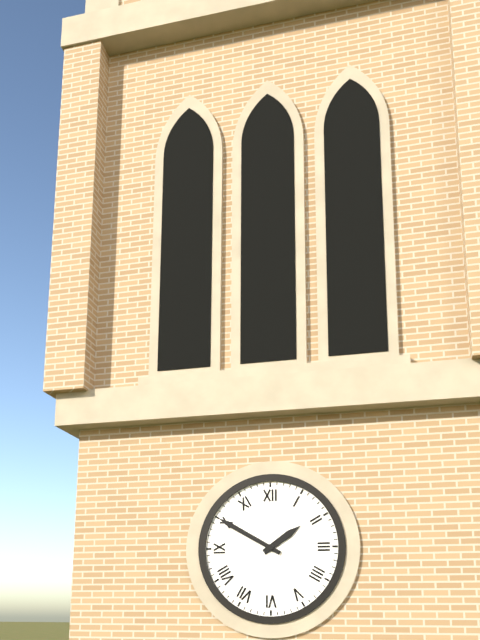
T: 1:50
